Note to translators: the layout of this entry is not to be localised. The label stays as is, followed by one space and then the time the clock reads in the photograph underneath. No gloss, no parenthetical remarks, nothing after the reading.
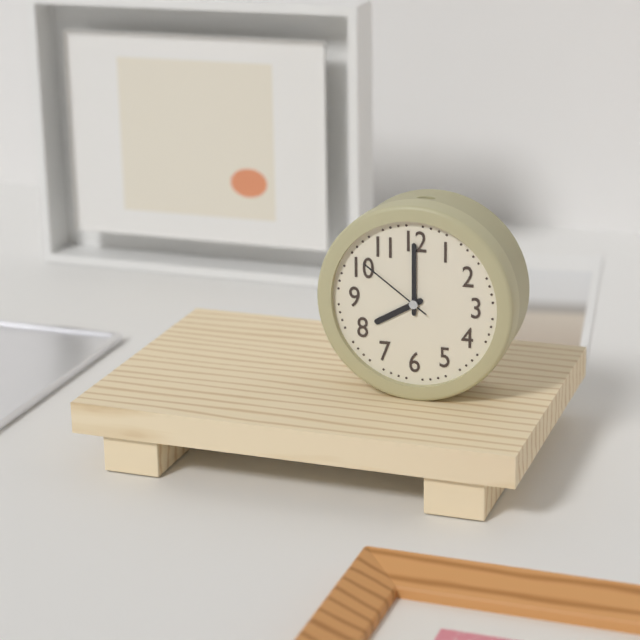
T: 8:00:51
